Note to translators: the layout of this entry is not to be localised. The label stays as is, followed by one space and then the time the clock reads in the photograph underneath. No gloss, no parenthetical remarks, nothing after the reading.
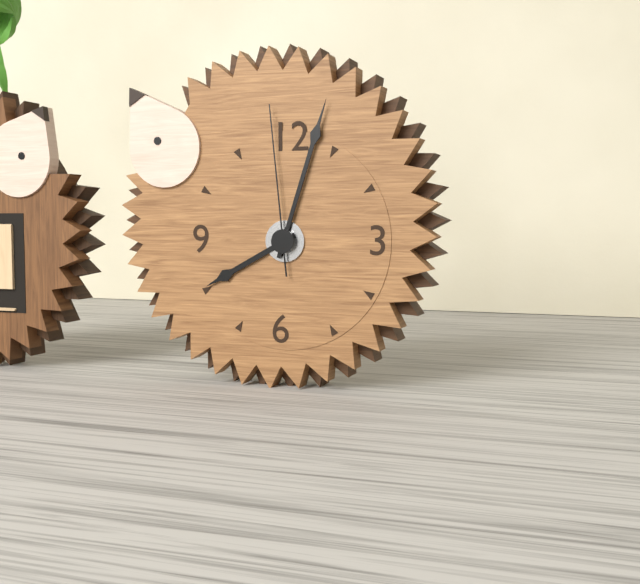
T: 8:03:59
